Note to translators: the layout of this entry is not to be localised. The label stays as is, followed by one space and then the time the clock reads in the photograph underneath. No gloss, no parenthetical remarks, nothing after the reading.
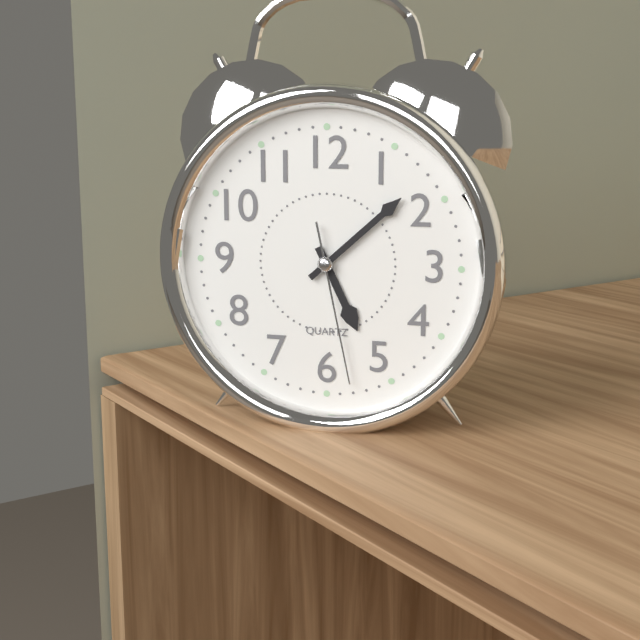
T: 5:08:28
